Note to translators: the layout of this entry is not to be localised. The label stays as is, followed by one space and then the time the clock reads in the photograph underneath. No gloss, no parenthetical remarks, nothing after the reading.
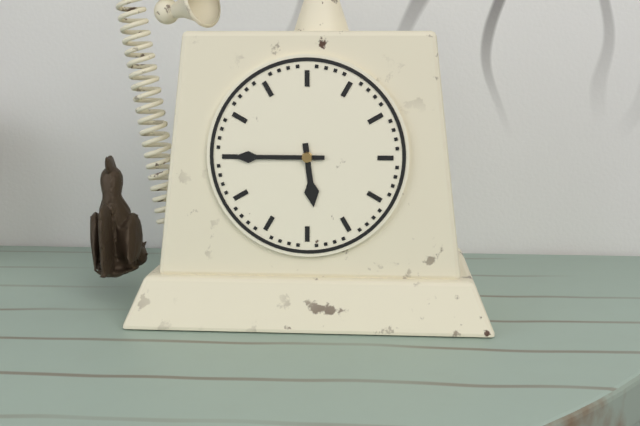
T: 5:45
